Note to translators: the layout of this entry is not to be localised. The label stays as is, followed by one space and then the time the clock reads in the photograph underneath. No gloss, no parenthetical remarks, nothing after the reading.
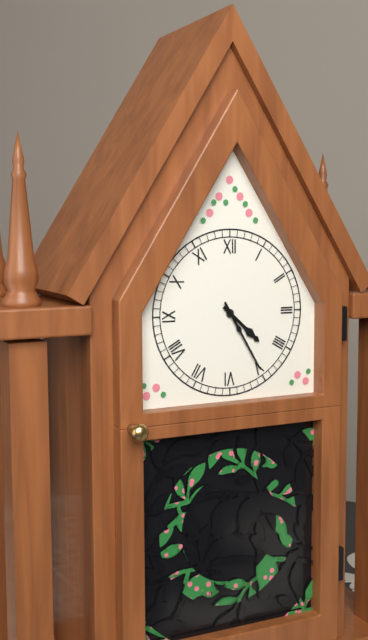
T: 4:25
